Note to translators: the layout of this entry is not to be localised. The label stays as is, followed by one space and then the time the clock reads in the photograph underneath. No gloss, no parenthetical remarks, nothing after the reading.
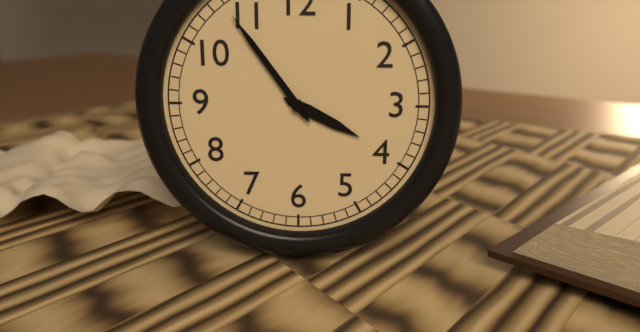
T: 3:54
